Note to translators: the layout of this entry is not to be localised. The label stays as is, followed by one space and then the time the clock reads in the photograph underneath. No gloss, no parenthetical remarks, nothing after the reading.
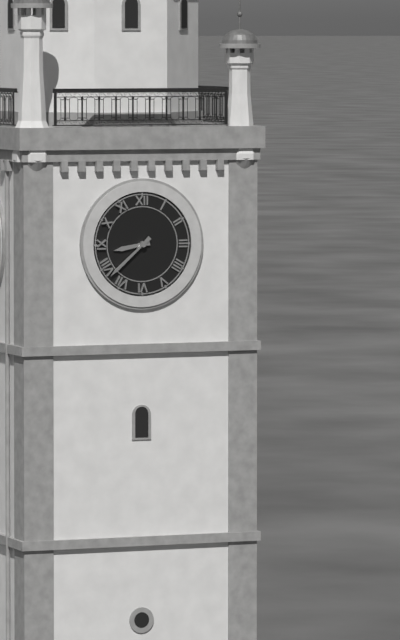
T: 8:38
